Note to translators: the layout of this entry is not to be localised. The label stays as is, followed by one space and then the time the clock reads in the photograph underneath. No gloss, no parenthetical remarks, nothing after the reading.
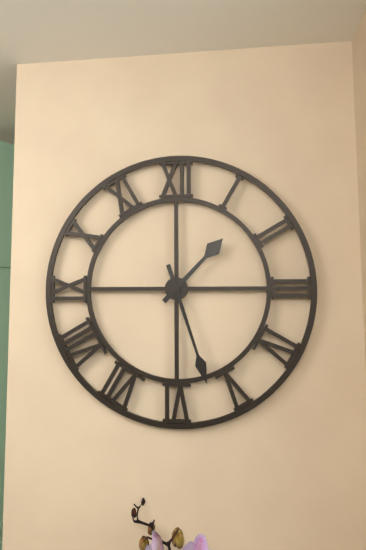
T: 1:27
